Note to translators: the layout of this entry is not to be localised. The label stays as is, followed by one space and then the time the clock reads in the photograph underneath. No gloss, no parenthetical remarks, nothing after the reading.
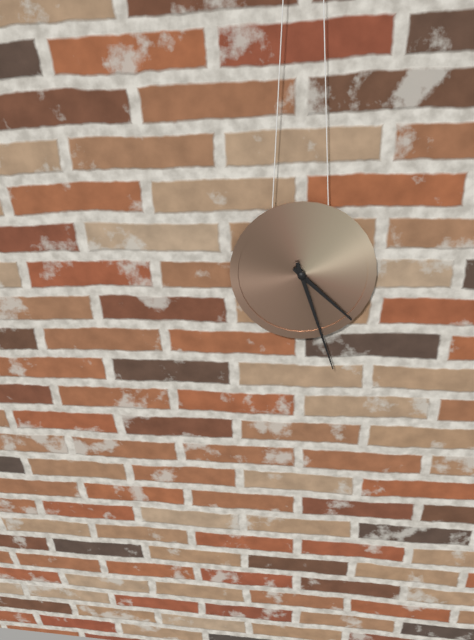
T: 4:27
